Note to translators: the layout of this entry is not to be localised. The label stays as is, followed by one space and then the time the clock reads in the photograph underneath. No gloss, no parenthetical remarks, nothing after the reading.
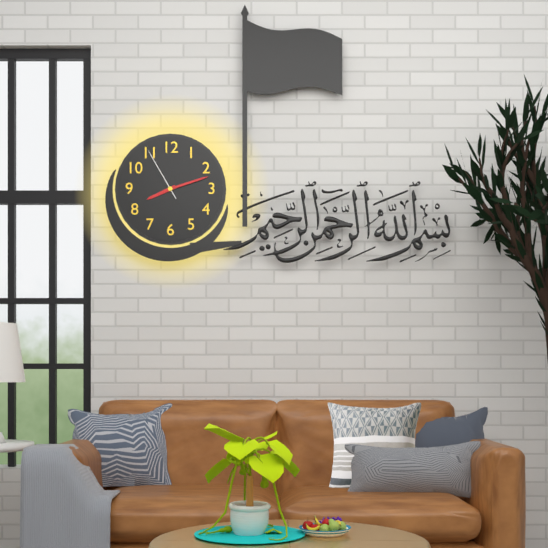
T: 8:12:55
